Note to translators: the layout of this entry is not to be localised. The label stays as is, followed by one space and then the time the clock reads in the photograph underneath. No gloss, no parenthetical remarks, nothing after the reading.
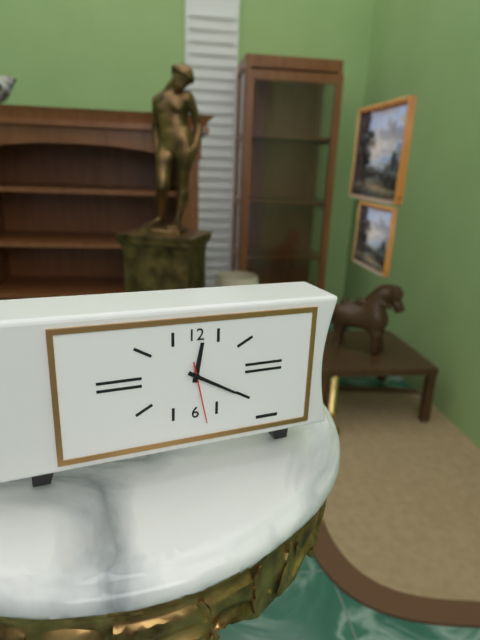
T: 12:20:28
